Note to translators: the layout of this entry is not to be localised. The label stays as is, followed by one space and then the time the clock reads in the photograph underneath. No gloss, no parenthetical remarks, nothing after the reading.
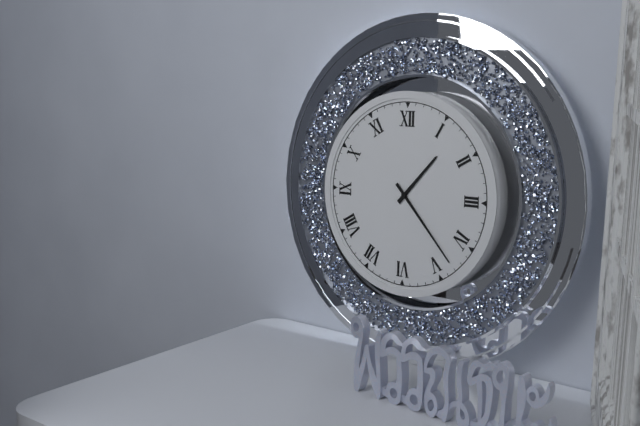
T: 1:23
